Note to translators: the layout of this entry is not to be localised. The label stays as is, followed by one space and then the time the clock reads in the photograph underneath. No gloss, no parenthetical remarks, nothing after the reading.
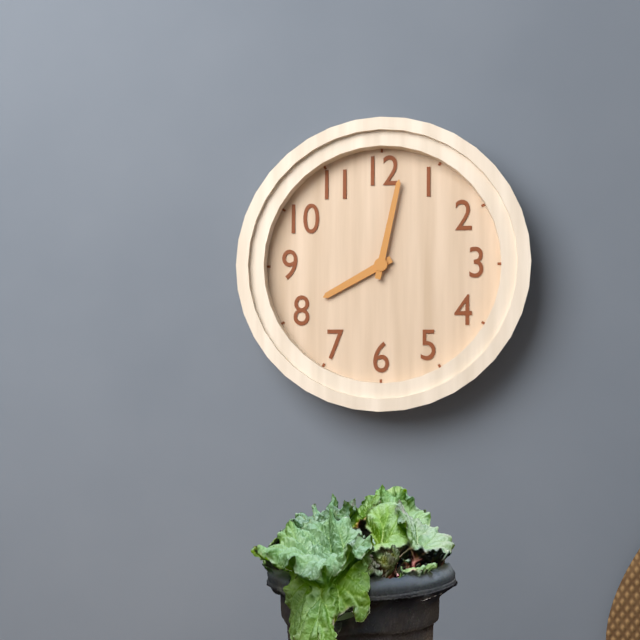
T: 8:02
